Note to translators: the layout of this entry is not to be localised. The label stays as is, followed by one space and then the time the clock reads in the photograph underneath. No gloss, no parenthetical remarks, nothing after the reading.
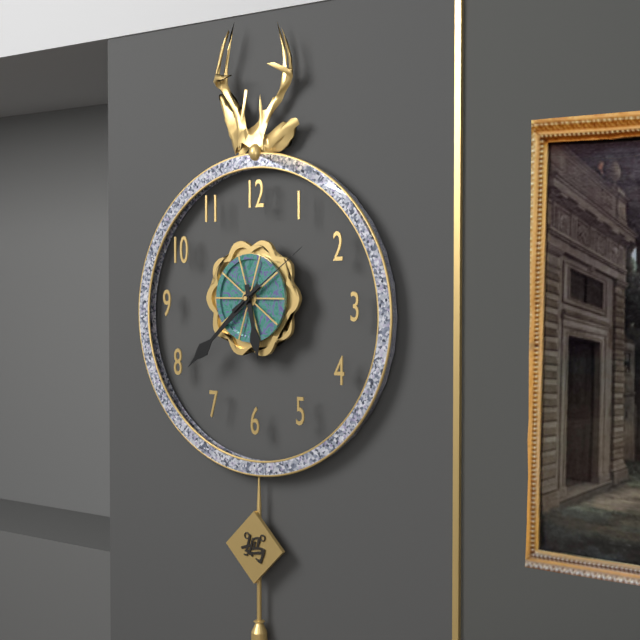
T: 5:38:09
